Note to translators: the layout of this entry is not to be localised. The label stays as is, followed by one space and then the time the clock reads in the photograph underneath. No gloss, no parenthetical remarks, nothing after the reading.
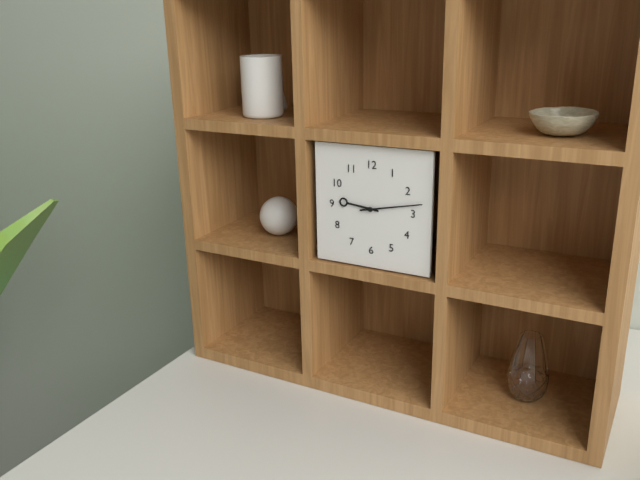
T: 9:13
